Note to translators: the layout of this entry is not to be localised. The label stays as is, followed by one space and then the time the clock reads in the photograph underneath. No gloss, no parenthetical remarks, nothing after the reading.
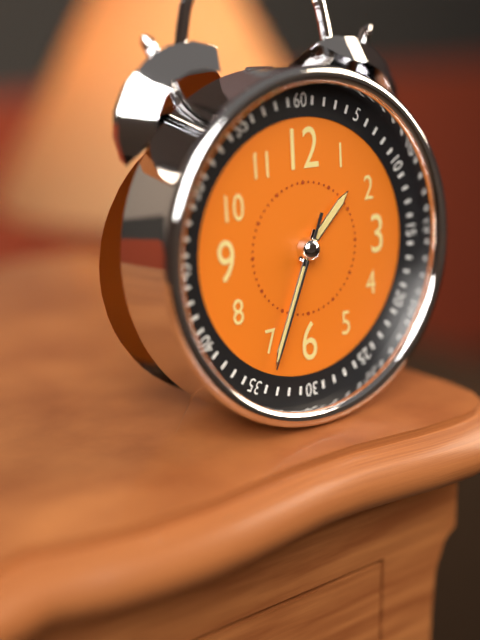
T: 1:34:34
